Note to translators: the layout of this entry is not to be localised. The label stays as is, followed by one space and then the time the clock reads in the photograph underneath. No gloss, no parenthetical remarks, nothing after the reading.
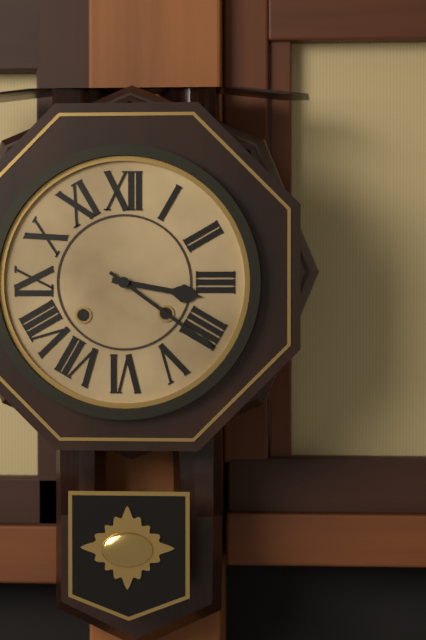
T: 3:21
